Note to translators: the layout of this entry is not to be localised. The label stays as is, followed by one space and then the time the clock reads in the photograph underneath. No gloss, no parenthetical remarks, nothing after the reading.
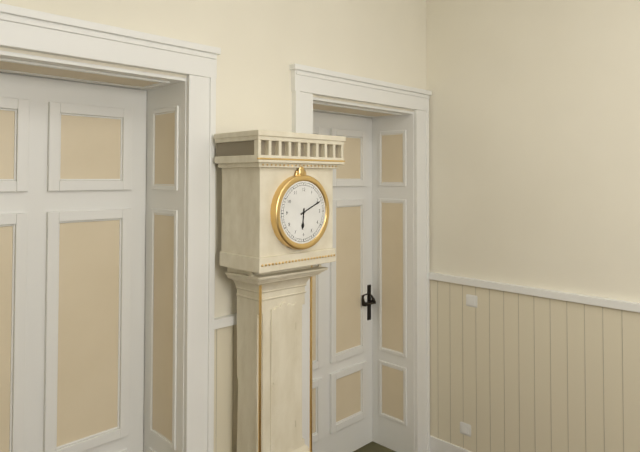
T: 6:11
